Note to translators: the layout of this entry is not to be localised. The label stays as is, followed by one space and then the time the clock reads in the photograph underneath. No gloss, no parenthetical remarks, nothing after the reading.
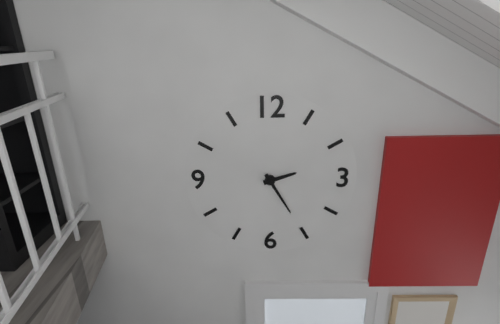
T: 2:25
